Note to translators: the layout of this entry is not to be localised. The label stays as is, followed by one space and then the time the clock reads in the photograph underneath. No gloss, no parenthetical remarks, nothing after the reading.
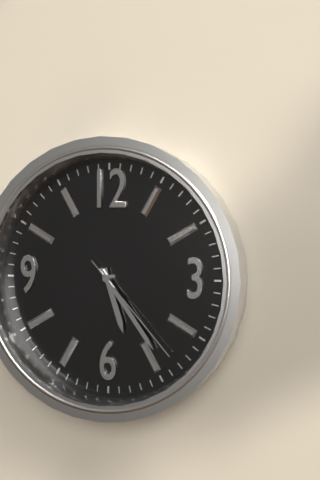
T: 5:24:23
